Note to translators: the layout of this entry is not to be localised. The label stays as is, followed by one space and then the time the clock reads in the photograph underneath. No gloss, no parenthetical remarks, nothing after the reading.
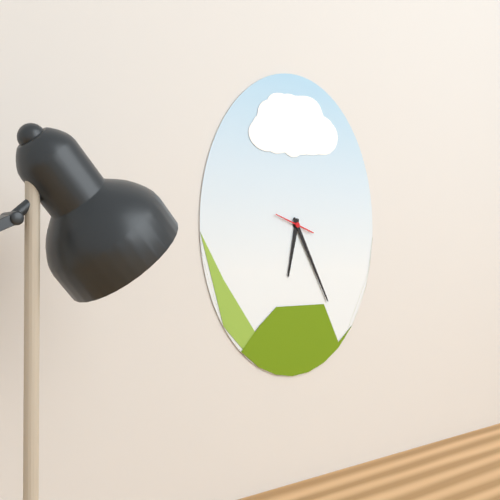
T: 6:25
